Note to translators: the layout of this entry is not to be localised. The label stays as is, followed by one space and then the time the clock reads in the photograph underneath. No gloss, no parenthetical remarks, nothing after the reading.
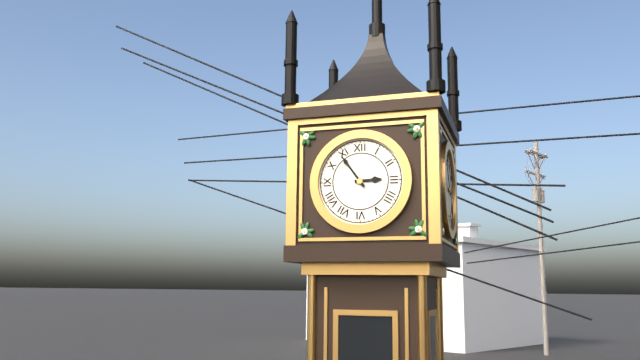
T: 2:54
